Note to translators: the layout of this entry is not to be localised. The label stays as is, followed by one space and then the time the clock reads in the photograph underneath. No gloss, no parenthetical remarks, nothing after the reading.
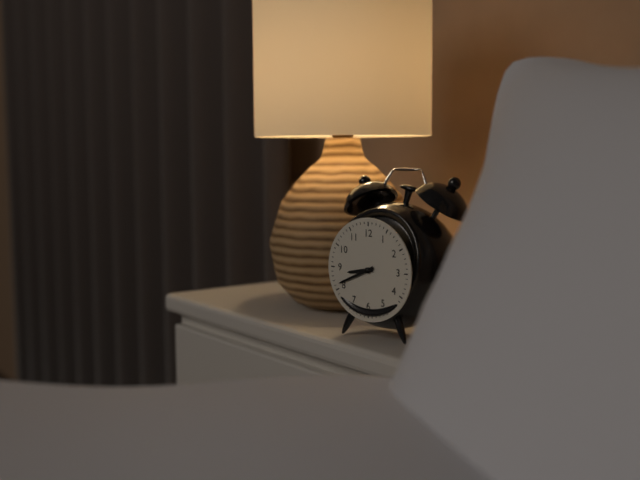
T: 8:41
